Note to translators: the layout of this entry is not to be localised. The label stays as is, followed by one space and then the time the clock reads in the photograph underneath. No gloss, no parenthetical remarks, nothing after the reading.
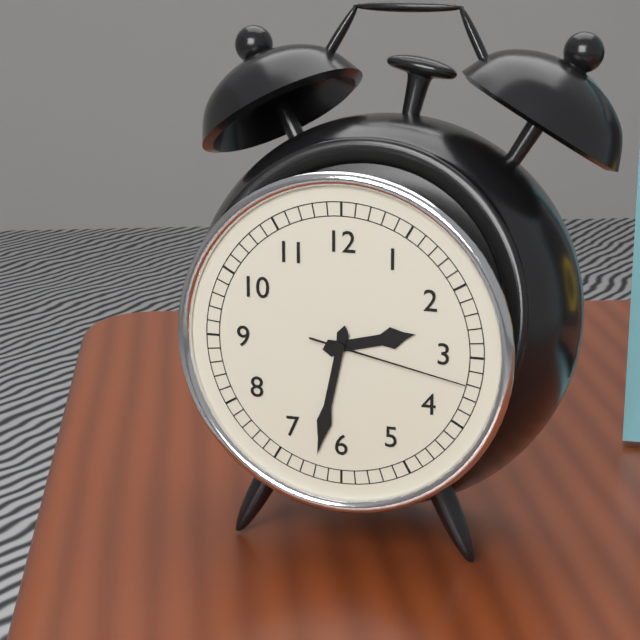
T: 2:32:17
